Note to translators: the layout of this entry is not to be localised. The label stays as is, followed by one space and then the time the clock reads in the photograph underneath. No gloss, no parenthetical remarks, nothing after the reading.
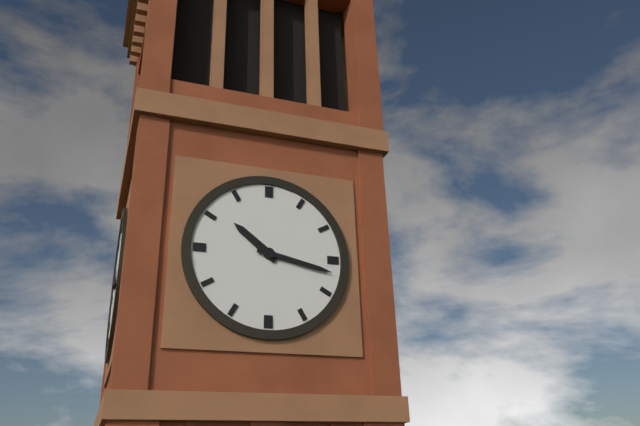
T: 10:17
